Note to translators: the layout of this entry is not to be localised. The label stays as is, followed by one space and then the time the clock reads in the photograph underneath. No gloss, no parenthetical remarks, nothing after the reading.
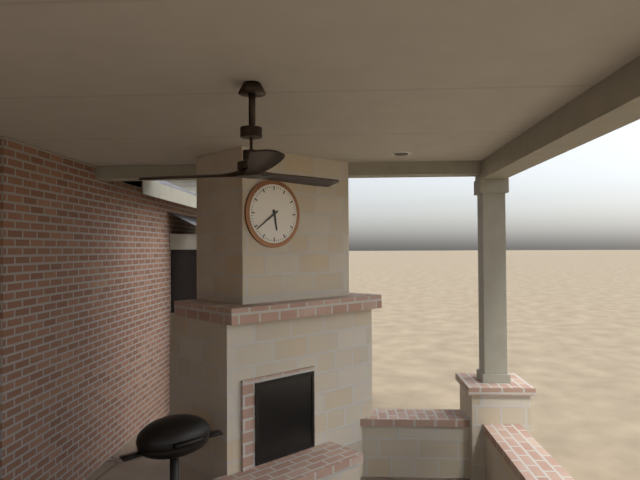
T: 5:39
